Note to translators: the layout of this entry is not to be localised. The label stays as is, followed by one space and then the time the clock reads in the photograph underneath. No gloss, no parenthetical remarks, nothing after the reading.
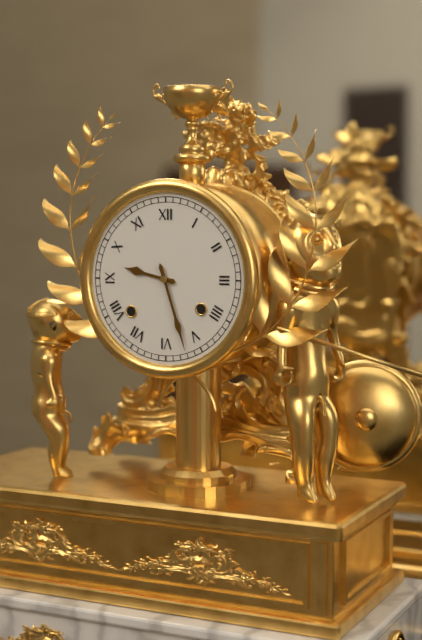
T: 9:27
